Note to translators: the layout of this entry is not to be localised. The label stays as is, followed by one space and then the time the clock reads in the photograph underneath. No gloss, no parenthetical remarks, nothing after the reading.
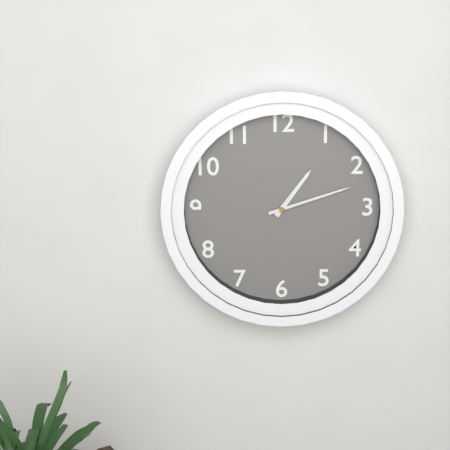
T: 1:12
